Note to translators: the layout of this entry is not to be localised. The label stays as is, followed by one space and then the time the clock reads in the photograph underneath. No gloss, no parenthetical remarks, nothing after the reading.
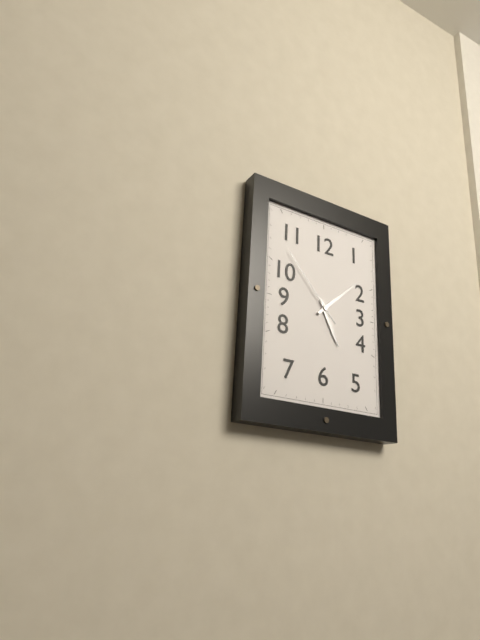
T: 5:08:53
